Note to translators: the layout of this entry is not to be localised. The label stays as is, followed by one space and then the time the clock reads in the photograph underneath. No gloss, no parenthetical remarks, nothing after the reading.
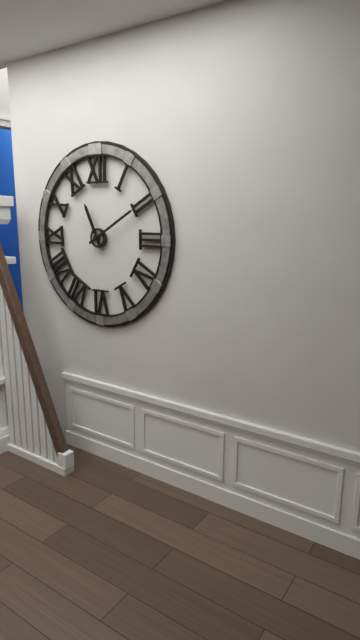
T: 11:10
